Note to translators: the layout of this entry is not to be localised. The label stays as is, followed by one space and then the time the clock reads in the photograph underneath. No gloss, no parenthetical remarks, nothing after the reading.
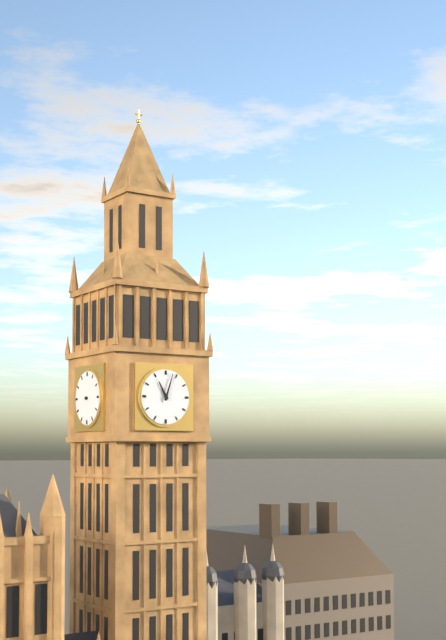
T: 11:03
